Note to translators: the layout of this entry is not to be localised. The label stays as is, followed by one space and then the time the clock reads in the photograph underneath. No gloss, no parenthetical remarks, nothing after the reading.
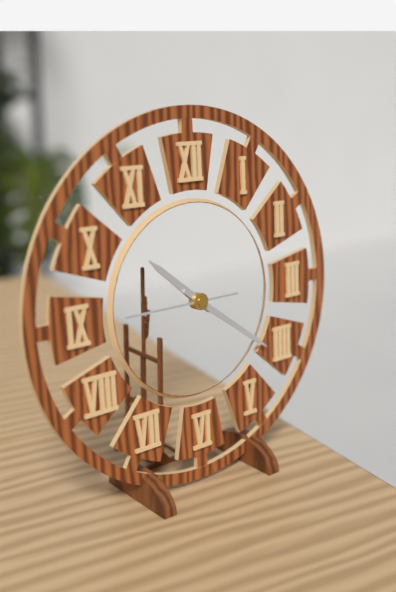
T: 10:21:45
